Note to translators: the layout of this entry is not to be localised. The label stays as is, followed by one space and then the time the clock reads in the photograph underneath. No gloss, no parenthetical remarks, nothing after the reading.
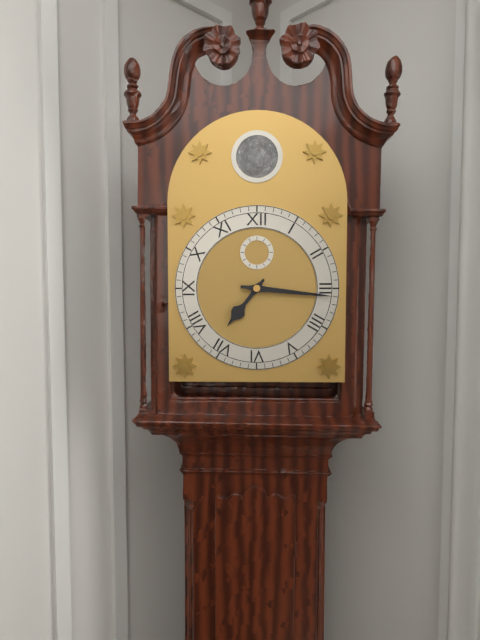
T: 7:16
